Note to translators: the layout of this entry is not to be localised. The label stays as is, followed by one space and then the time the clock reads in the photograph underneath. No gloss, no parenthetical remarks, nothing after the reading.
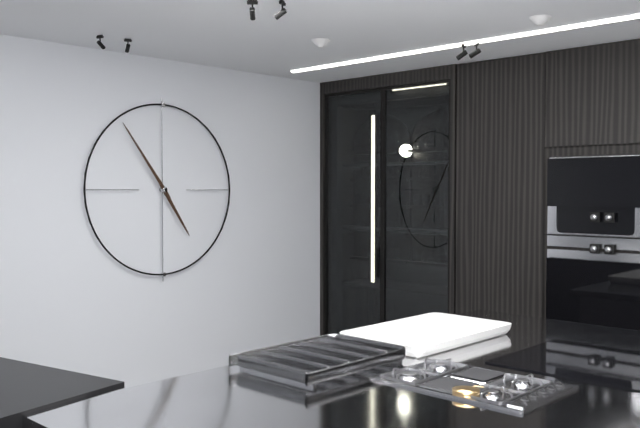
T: 4:54
